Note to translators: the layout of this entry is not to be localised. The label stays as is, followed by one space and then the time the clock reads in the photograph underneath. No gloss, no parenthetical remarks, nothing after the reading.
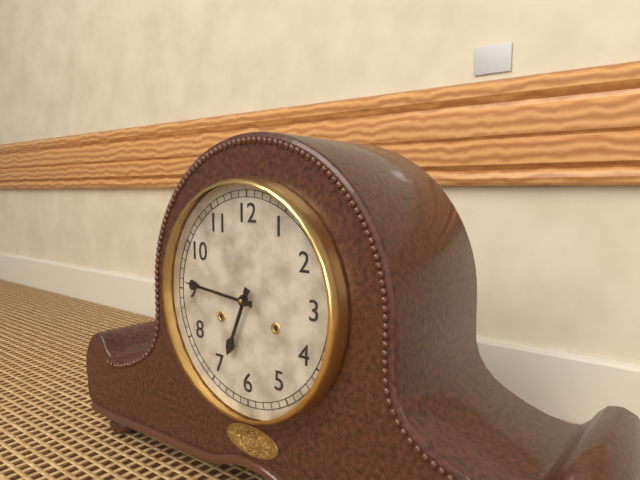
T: 6:46
